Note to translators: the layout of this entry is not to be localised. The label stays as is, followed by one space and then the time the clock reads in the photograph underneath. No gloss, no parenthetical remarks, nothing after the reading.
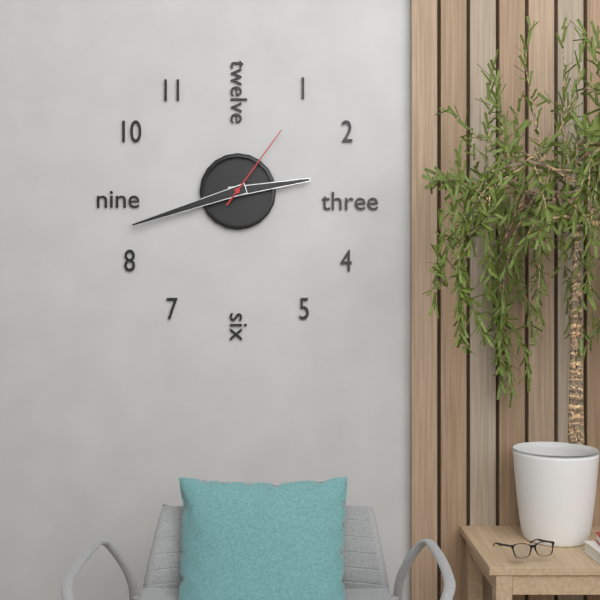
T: 2:42:06
